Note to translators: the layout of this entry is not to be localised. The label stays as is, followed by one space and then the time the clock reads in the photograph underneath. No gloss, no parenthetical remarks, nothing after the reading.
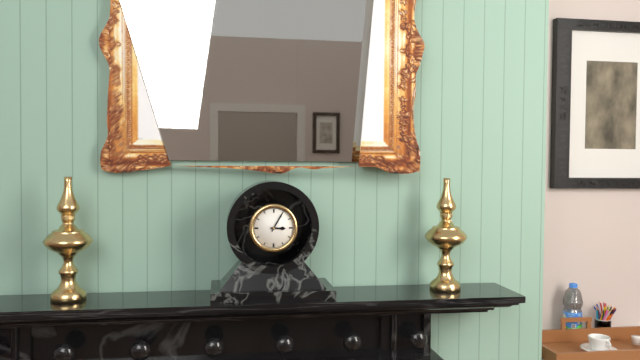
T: 3:05
